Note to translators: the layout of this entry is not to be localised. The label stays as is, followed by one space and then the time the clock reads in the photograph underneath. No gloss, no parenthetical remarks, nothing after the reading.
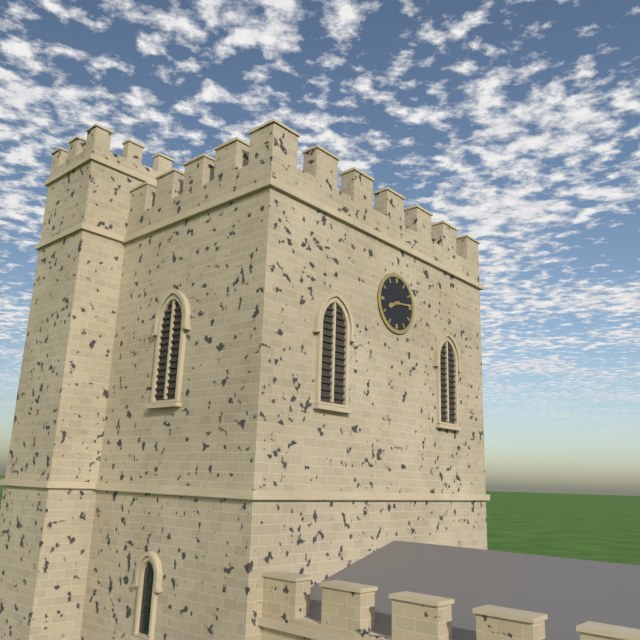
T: 8:14
